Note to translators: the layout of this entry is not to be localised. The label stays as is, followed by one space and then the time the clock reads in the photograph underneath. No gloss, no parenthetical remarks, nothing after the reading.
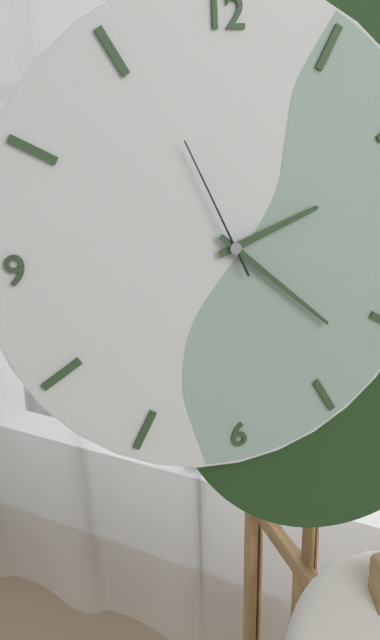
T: 2:22:56
